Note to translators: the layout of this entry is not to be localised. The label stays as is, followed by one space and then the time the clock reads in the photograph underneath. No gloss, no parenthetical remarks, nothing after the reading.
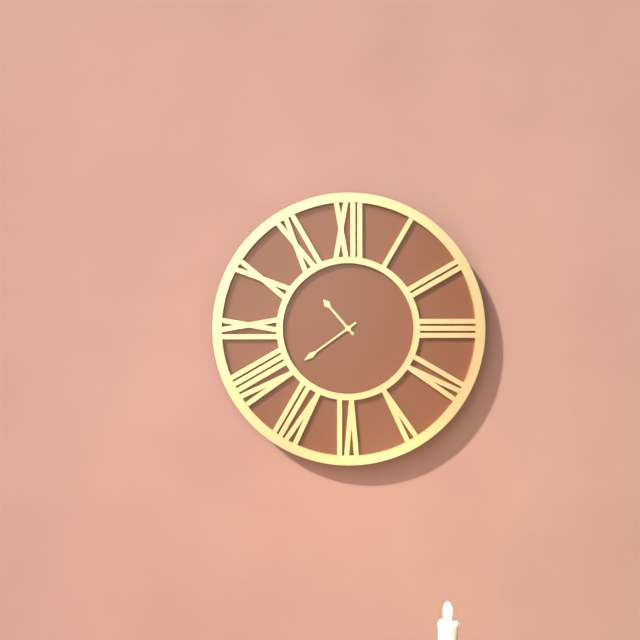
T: 10:39
